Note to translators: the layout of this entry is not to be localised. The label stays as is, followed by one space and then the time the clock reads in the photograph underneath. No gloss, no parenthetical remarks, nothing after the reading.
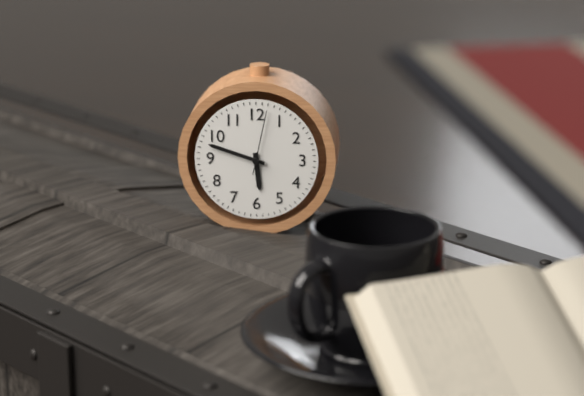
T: 5:48:02
